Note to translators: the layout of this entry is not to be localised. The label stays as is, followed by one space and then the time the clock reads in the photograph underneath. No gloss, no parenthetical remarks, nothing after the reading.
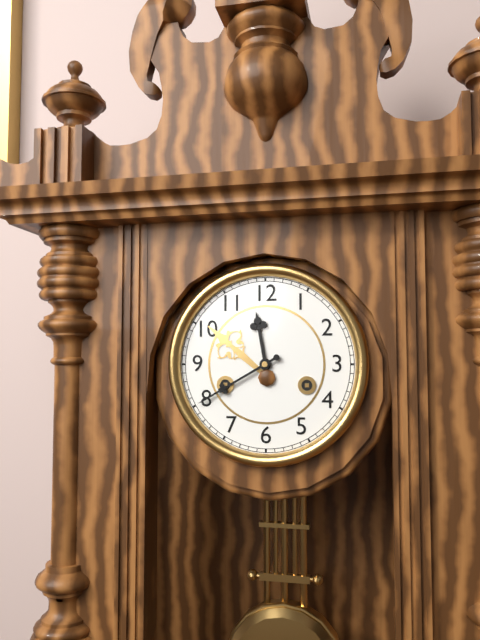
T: 11:40
